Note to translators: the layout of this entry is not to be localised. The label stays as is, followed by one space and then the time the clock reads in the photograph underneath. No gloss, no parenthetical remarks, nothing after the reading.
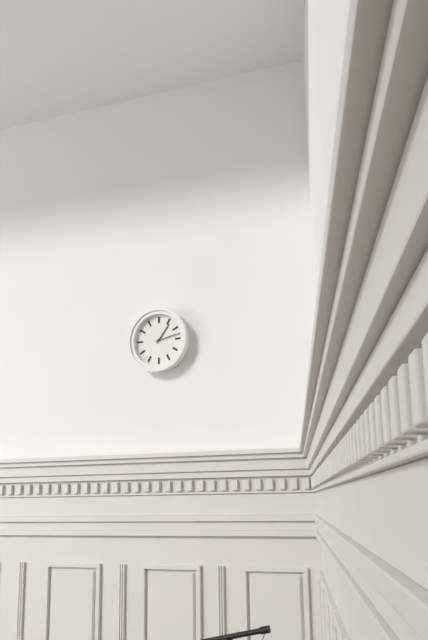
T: 1:13
